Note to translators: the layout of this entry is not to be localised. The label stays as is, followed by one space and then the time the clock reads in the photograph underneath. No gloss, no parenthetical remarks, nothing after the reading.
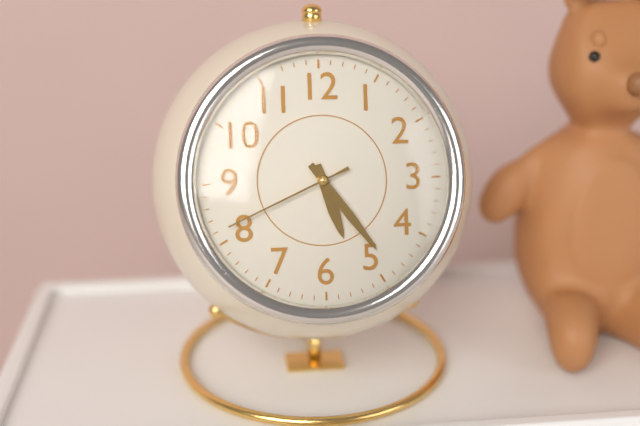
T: 5:24:41
